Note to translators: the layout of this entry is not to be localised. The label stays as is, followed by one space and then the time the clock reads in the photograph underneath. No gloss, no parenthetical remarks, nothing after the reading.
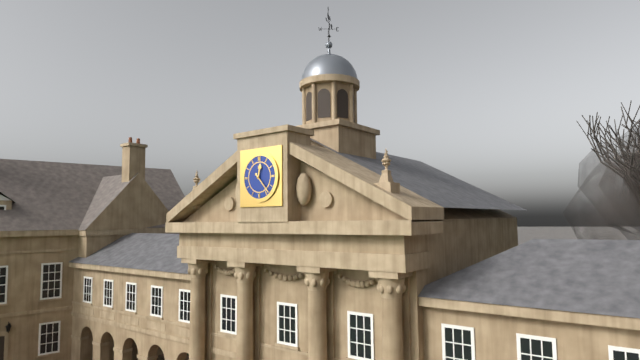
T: 12:23
